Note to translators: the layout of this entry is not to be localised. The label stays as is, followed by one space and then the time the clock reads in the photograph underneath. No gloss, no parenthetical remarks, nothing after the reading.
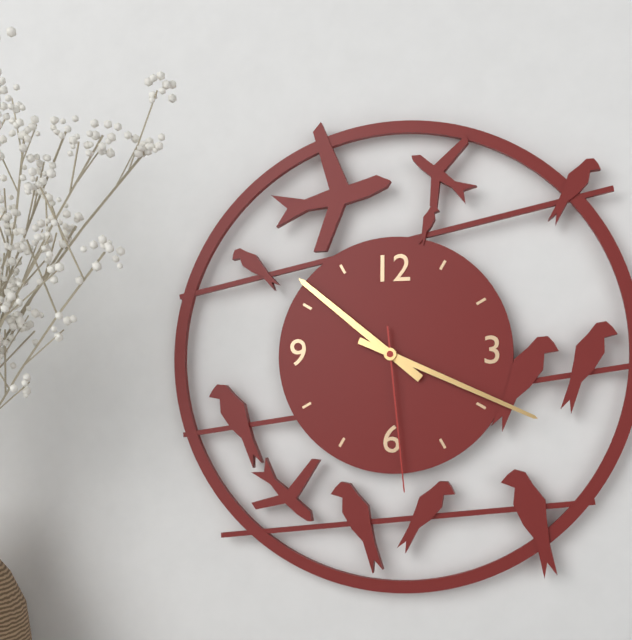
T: 10:19:29
